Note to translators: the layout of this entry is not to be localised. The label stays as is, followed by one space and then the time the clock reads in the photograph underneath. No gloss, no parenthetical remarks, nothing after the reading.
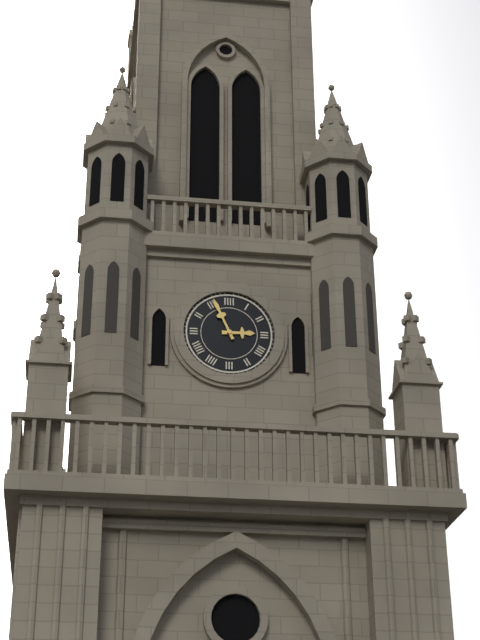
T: 2:56
